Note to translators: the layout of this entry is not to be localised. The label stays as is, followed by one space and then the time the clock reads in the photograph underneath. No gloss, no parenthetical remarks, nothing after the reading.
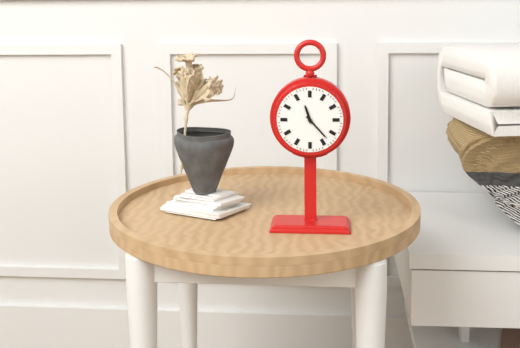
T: 11:23
